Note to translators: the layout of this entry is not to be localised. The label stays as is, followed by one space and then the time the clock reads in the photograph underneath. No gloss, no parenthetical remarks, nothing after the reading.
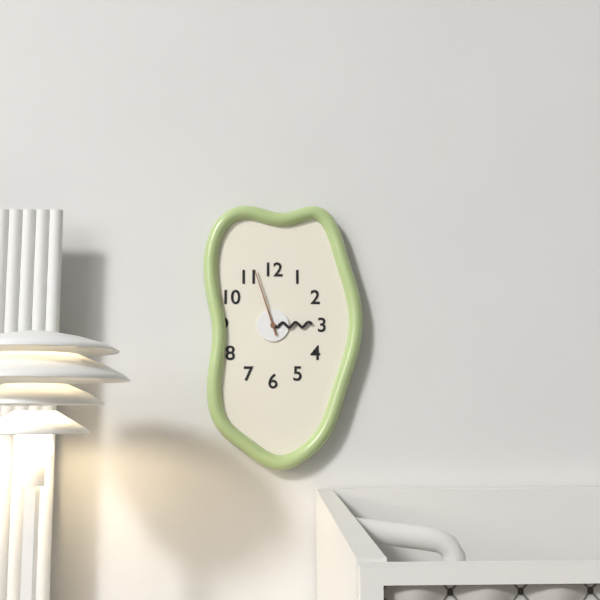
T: 2:57
